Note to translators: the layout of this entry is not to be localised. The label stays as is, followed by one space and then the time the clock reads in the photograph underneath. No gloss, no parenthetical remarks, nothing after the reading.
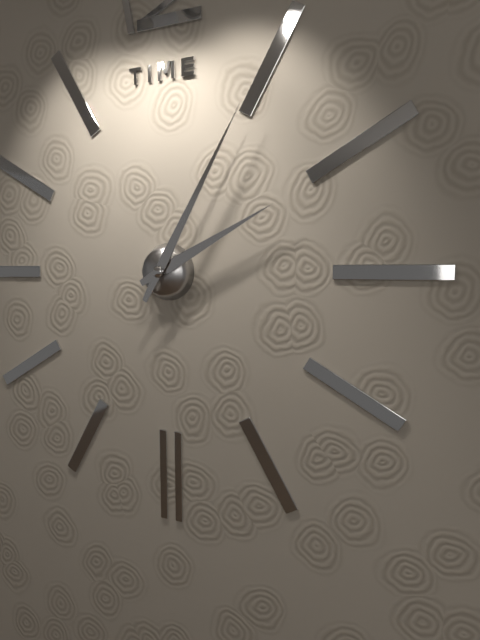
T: 2:05
